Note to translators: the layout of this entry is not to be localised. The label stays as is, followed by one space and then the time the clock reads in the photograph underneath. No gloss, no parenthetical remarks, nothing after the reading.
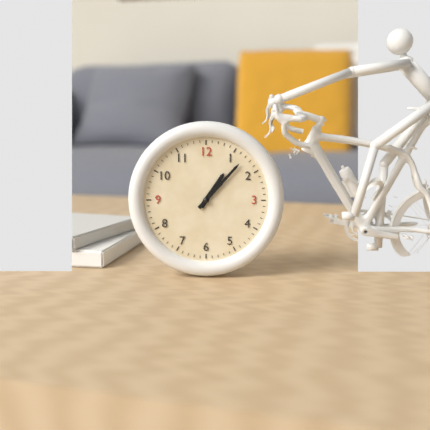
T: 1:07
